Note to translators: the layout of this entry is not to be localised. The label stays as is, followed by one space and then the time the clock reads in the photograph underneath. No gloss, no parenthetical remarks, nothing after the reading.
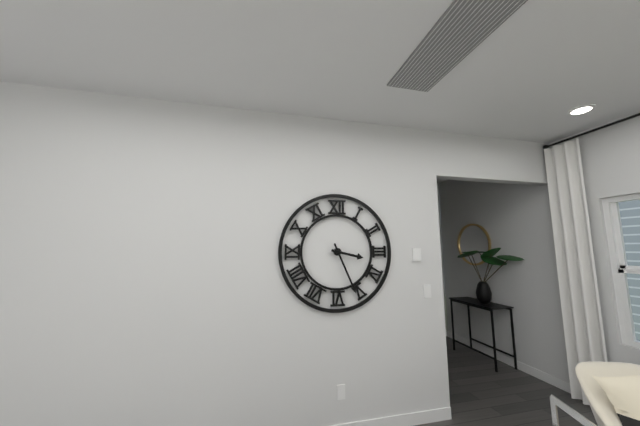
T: 3:26
